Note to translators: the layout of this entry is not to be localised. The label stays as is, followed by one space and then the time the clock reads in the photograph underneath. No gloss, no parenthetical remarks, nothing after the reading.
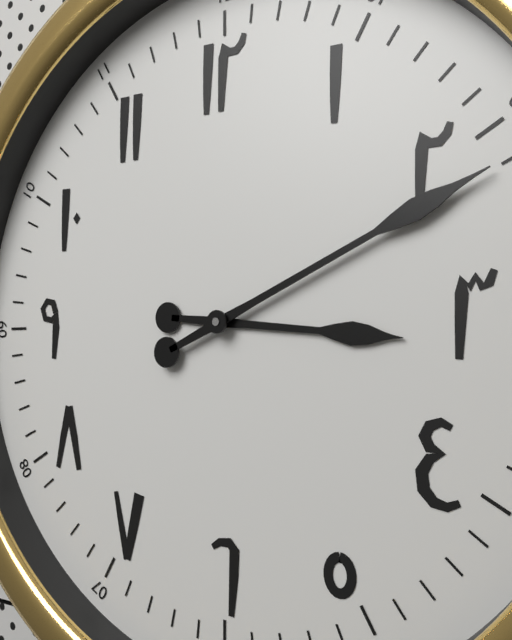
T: 3:11
